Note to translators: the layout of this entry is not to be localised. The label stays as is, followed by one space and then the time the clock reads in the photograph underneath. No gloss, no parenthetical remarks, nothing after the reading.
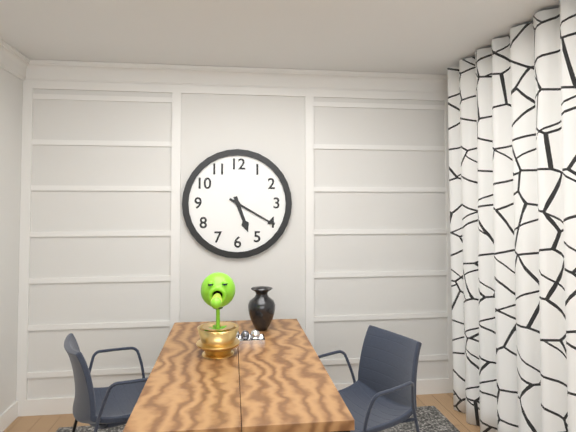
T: 5:20
